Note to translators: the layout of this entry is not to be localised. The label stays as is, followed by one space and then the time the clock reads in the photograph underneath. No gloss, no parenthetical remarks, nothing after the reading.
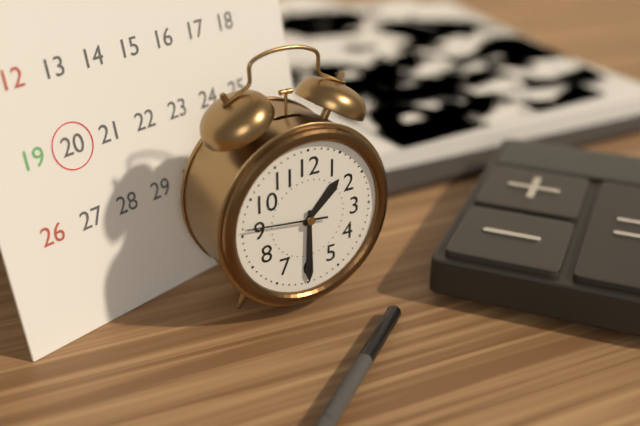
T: 1:30:46
